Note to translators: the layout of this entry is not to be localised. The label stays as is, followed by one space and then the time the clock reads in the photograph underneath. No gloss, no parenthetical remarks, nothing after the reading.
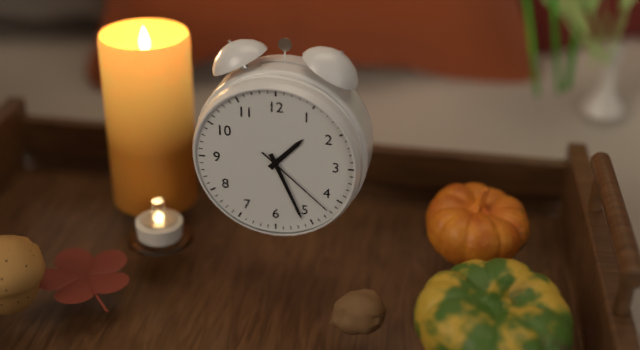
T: 1:26:22
